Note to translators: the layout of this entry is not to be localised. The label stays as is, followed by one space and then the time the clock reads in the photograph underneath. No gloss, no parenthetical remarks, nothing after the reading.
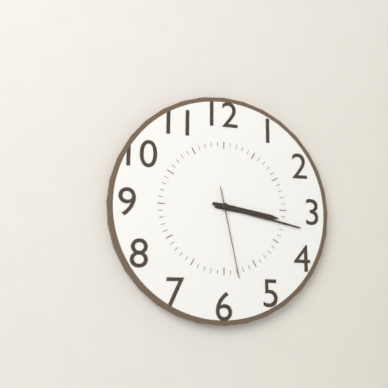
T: 3:17:28
